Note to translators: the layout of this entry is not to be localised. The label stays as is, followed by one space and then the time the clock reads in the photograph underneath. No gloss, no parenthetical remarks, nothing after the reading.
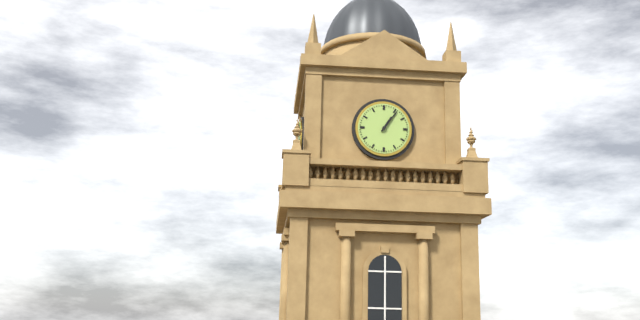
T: 1:06
